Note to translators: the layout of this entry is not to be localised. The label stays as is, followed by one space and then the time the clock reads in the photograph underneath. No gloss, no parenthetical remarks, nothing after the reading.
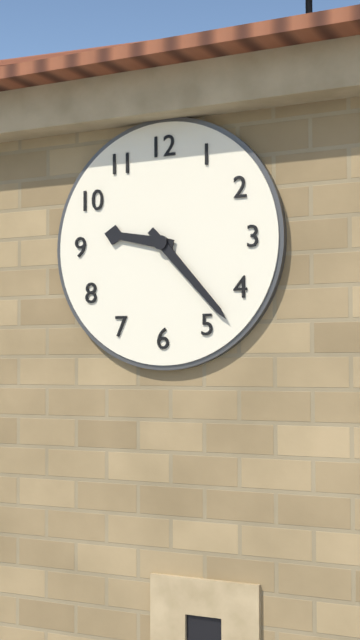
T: 9:23
